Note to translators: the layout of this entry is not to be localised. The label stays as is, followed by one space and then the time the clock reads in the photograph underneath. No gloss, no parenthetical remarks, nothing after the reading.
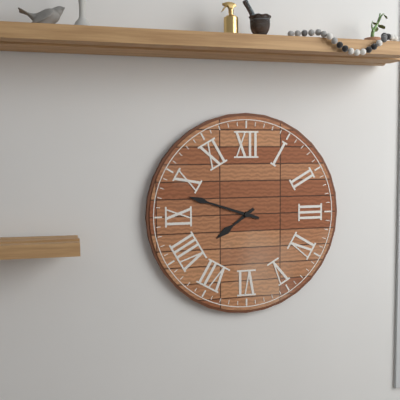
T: 7:48
